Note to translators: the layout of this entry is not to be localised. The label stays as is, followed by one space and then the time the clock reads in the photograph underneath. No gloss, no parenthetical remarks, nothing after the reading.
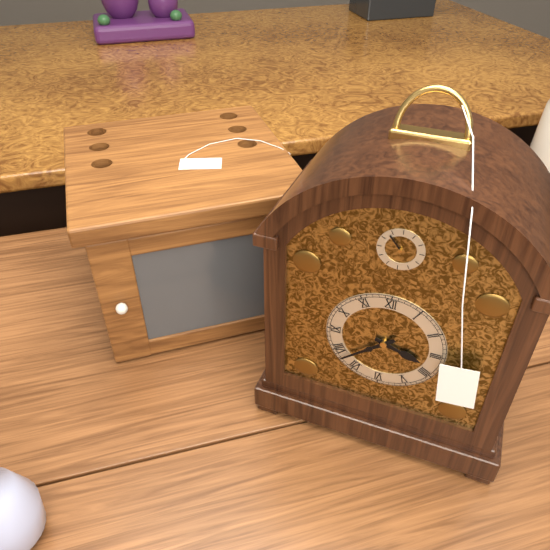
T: 3:38
